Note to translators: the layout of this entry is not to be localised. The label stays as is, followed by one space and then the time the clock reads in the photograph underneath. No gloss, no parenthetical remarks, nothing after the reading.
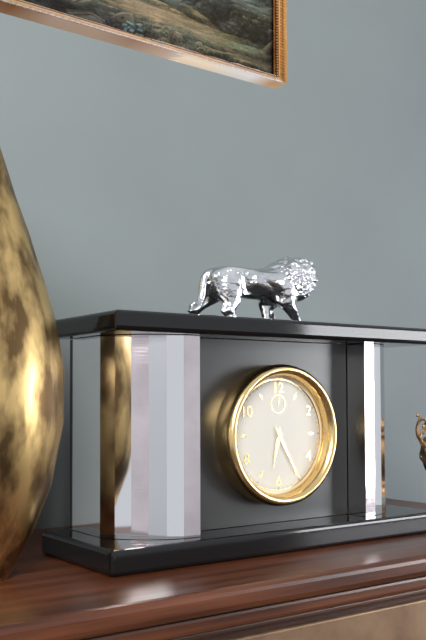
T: 6:25
